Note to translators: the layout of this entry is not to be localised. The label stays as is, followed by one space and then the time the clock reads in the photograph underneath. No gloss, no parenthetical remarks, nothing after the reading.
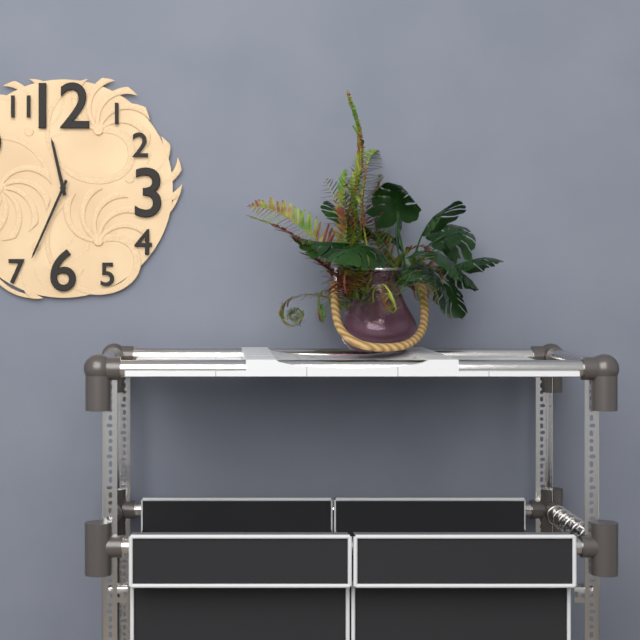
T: 11:34
